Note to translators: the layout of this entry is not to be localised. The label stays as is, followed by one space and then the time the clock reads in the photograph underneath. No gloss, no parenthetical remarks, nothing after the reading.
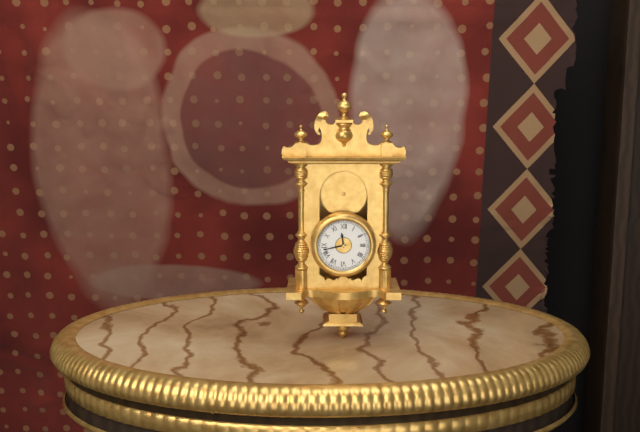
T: 11:43
